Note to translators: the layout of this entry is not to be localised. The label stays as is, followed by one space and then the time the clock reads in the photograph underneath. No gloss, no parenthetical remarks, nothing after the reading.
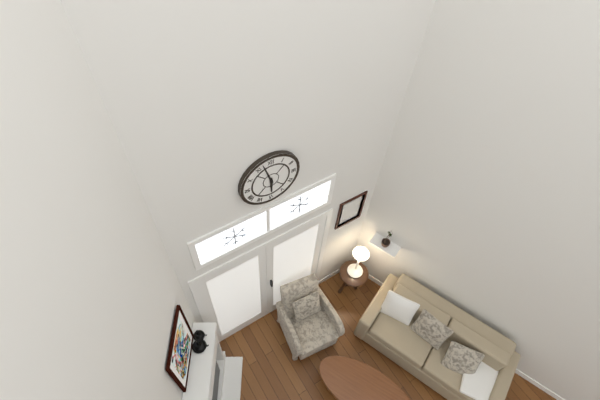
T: 5:57
